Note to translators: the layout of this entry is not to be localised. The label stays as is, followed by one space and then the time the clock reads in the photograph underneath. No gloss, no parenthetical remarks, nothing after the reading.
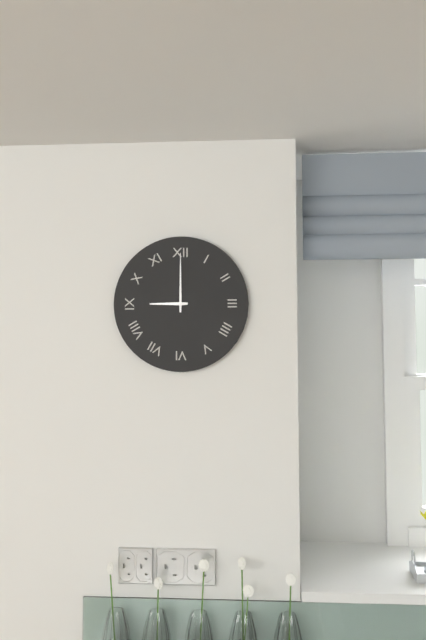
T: 9:00
